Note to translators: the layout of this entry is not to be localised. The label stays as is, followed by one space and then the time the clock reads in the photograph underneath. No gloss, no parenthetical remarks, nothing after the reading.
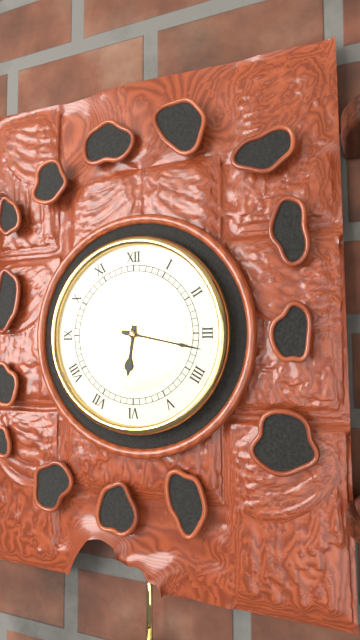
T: 6:17
